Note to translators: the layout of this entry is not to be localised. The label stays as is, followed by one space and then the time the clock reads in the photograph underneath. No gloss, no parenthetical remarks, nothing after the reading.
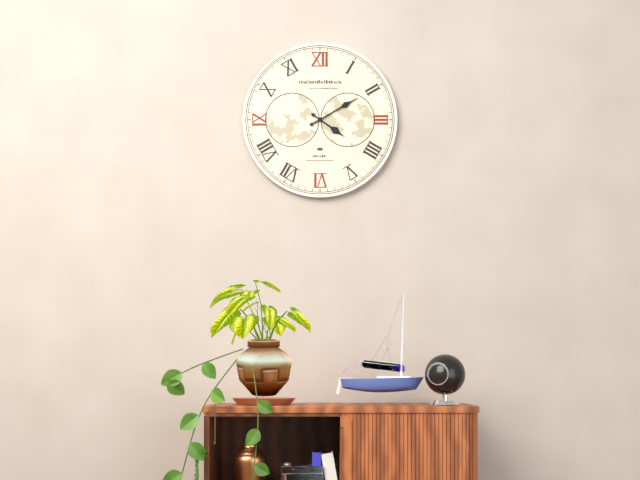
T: 4:10
